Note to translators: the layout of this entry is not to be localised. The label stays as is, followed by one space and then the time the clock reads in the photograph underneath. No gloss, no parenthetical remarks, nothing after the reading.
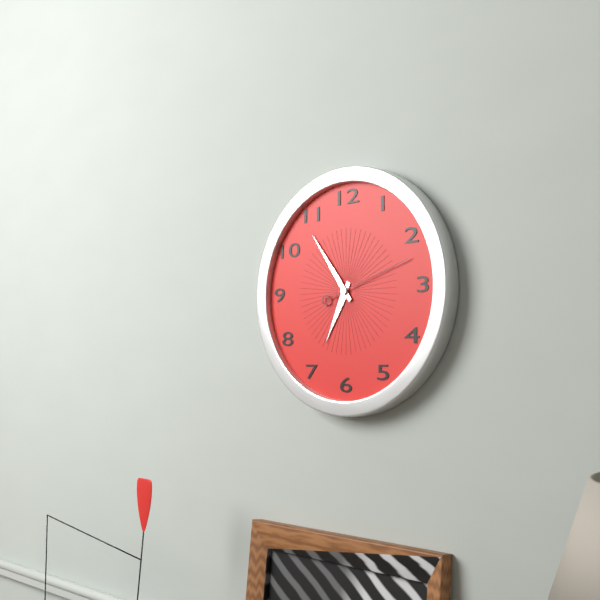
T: 6:54:12
